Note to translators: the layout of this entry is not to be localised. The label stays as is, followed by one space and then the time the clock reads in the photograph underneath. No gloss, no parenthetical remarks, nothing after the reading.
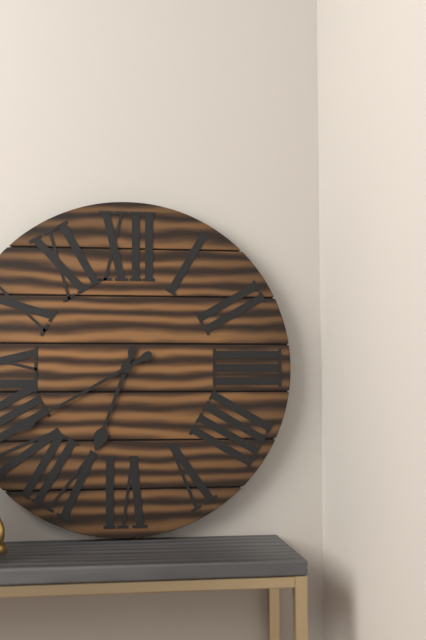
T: 6:40
